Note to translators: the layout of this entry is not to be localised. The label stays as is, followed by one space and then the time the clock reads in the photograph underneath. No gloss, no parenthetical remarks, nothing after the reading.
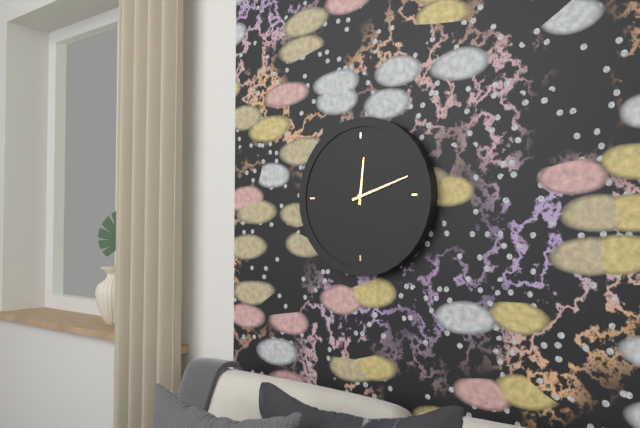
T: 12:12
